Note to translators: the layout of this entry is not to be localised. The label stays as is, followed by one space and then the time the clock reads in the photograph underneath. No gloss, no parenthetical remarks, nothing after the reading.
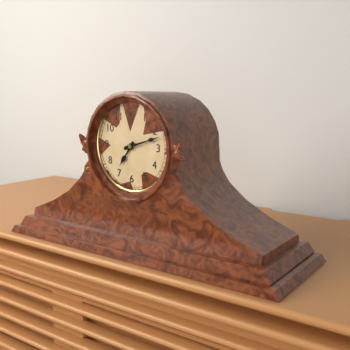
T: 7:12
